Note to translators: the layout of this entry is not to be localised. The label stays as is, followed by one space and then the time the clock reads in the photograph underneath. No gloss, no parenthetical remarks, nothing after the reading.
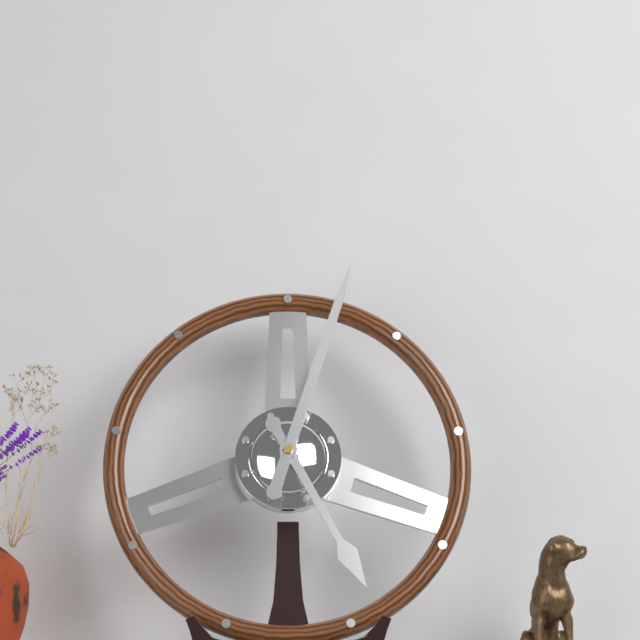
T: 5:03
